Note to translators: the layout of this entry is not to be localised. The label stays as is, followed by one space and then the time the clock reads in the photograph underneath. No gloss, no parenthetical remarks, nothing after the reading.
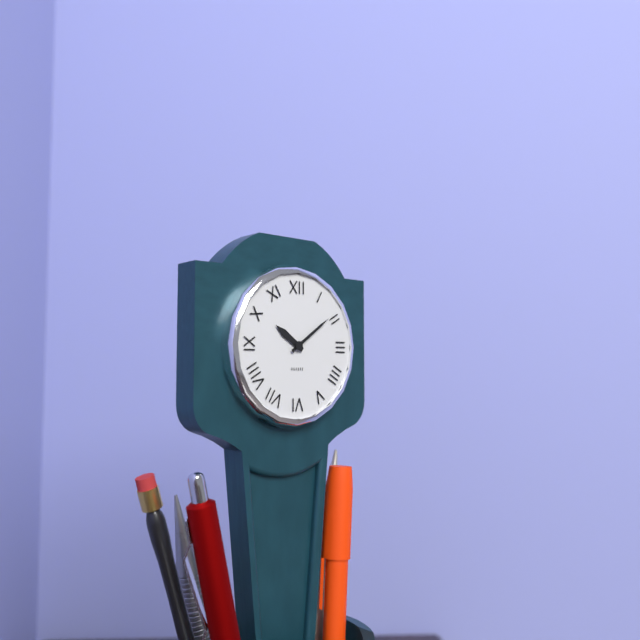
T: 10:09
